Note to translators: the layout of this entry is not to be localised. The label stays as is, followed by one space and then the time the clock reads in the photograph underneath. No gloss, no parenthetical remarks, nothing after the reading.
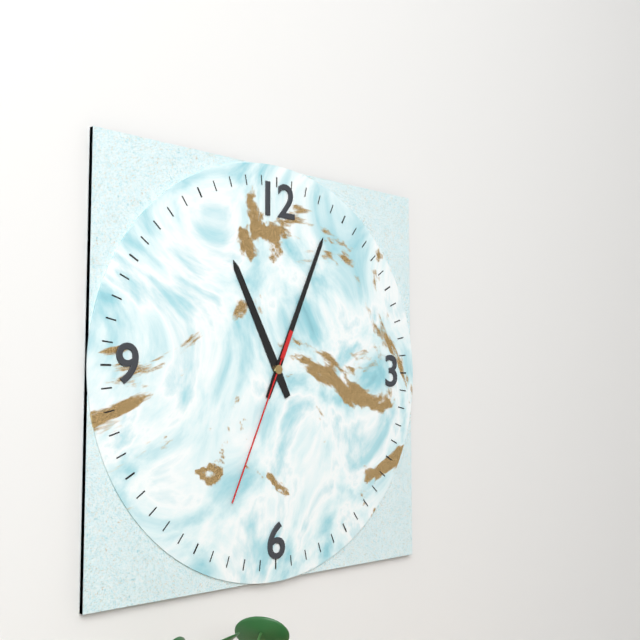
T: 11:04:34
